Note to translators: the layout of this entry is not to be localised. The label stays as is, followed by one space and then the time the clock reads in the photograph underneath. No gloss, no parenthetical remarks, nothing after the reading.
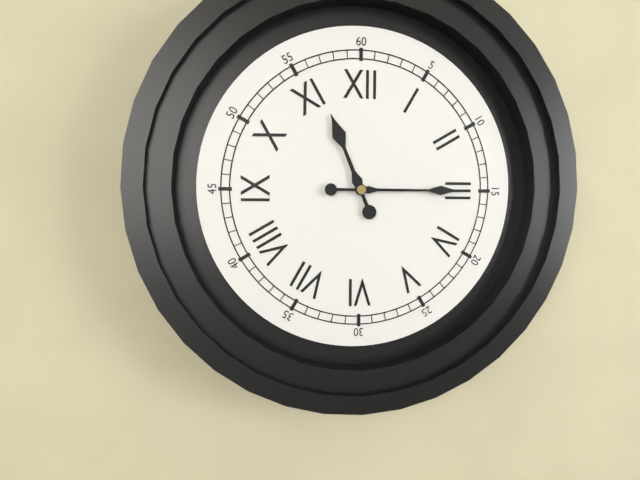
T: 11:15
